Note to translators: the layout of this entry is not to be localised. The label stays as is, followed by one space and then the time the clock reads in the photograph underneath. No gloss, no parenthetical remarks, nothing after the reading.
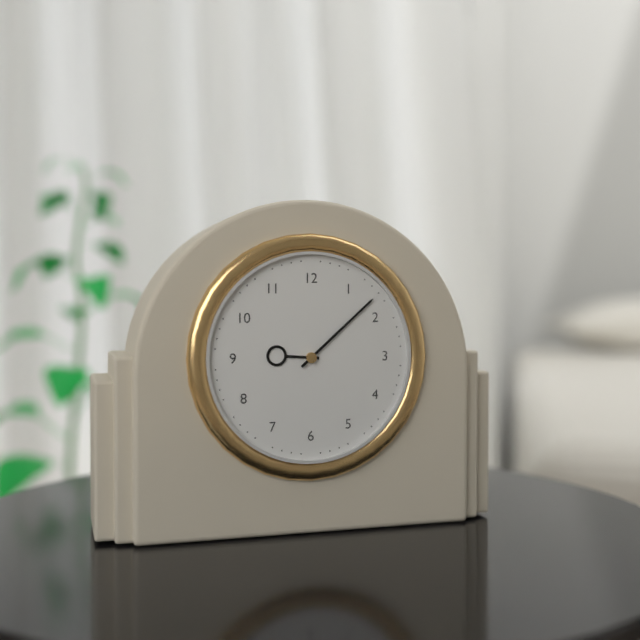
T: 9:08
